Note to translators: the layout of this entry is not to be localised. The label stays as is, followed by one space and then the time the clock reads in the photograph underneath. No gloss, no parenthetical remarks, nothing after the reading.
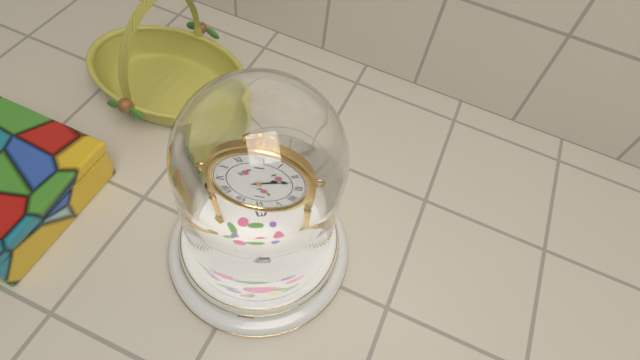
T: 2:12
